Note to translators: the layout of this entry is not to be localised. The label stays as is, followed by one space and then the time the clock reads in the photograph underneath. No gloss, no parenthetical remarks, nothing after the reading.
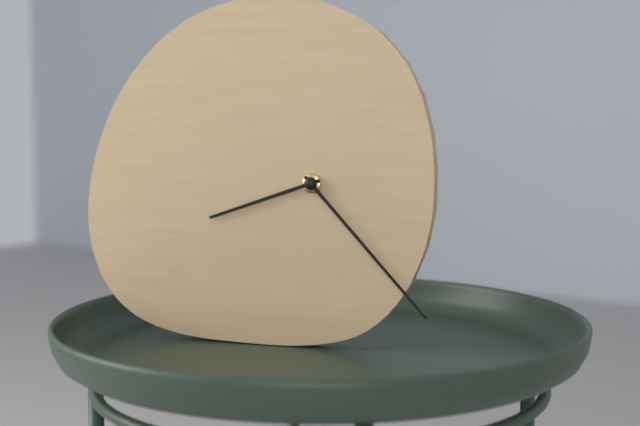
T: 8:23
